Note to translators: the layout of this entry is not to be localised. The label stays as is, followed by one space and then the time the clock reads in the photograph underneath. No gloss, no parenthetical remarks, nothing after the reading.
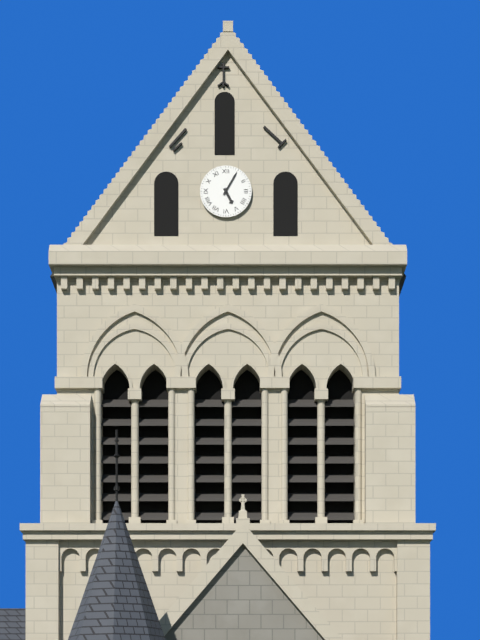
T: 5:05
